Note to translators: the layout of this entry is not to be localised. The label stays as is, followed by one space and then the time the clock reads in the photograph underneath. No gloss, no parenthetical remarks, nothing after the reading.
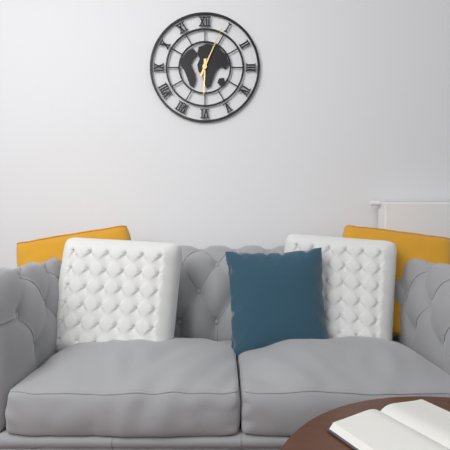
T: 6:04
